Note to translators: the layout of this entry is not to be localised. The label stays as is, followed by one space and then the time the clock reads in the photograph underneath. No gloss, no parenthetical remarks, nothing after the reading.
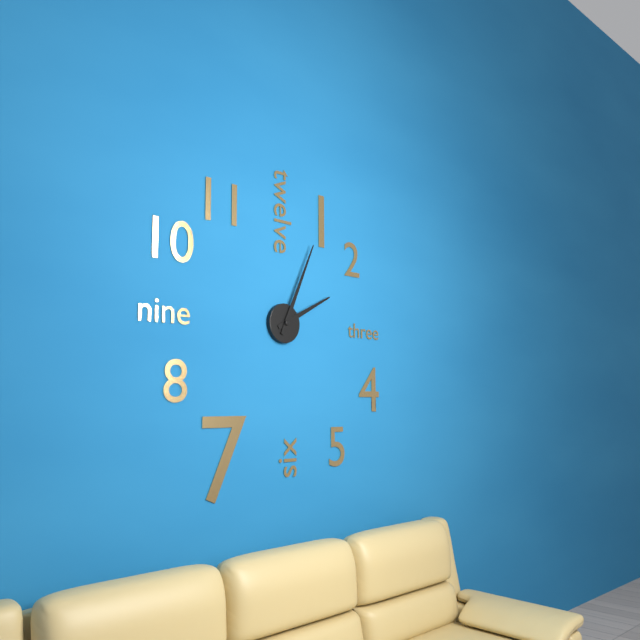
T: 2:04
